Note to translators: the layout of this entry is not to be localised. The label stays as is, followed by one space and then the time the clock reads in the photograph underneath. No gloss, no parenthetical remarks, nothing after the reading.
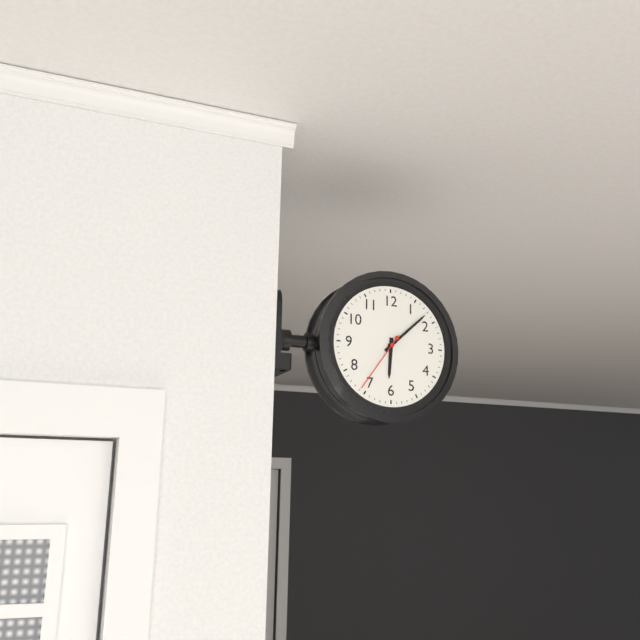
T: 6:08:36
